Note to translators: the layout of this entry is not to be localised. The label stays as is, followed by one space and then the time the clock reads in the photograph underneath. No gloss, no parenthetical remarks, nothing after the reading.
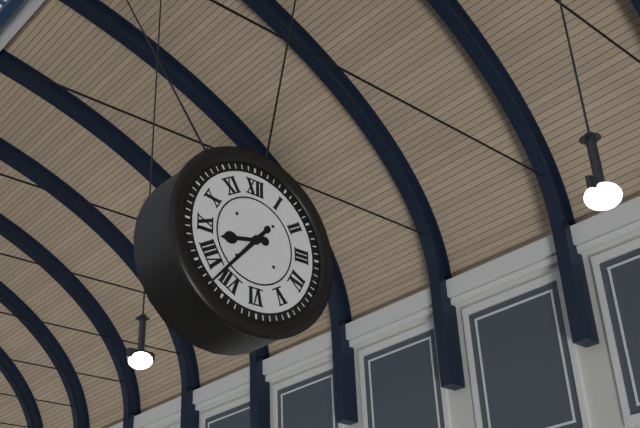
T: 8:37
